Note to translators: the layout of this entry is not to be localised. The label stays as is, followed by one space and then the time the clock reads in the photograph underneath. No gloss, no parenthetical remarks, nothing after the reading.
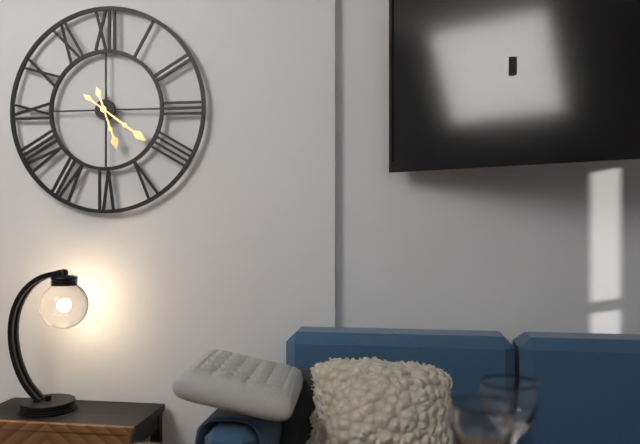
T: 5:21
